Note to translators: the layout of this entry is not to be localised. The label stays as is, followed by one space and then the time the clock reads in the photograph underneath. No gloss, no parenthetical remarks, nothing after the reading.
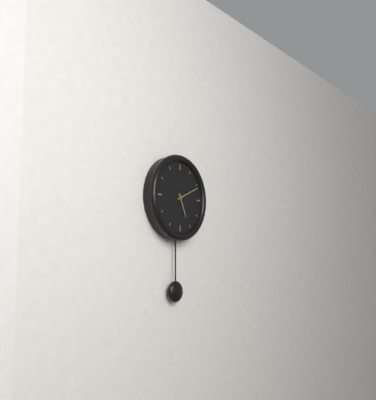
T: 5:11
